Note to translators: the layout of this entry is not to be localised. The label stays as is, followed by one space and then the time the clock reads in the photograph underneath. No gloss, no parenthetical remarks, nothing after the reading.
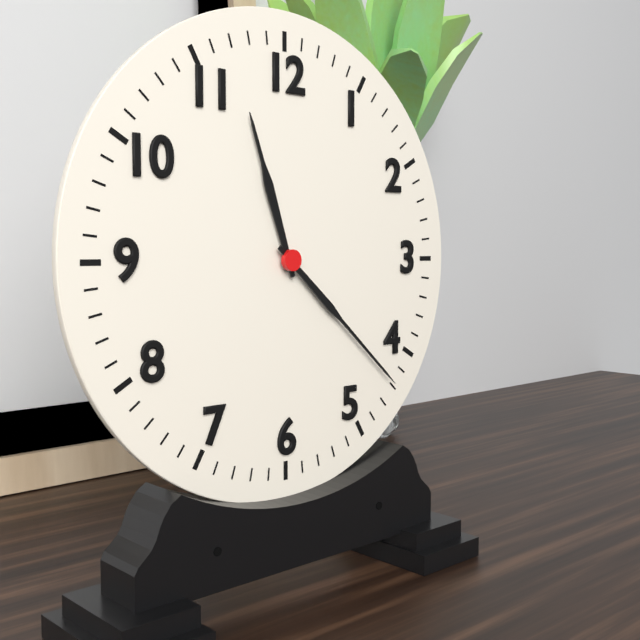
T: 11:22
